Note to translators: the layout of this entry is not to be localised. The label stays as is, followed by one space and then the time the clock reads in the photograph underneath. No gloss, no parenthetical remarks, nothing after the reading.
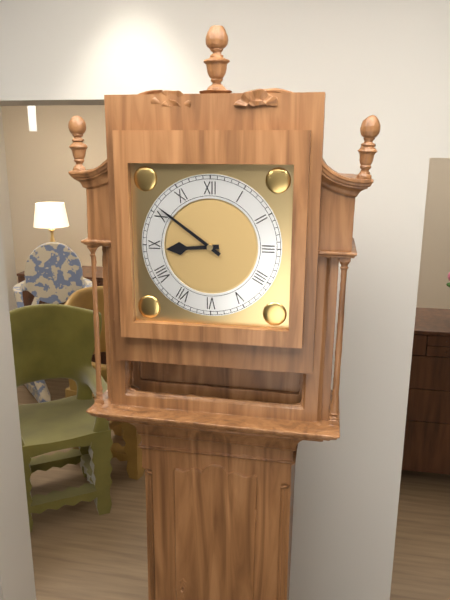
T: 8:51
